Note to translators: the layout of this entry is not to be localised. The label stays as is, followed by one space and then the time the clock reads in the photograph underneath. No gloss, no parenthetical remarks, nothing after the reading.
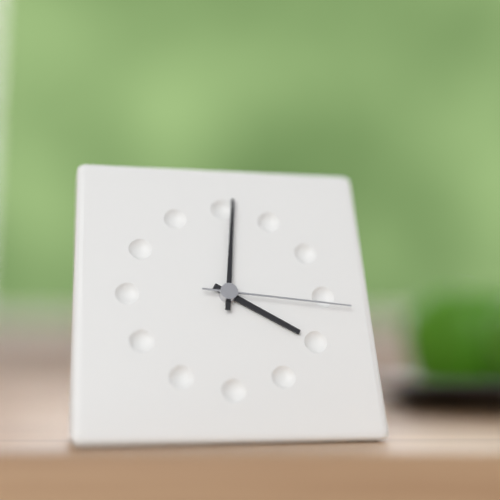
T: 4:01:16
